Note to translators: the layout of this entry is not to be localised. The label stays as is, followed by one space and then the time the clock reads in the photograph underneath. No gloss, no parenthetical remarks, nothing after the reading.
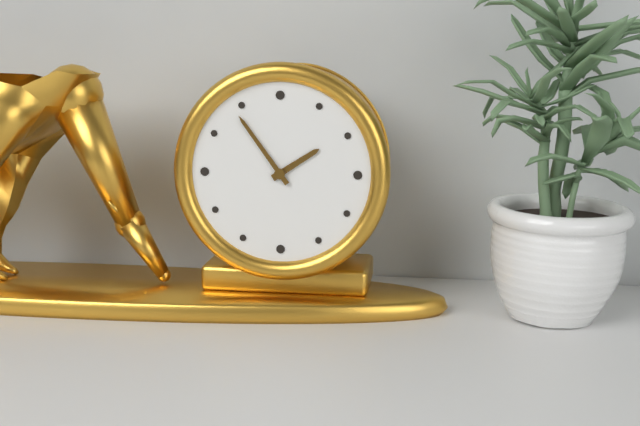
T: 1:54
